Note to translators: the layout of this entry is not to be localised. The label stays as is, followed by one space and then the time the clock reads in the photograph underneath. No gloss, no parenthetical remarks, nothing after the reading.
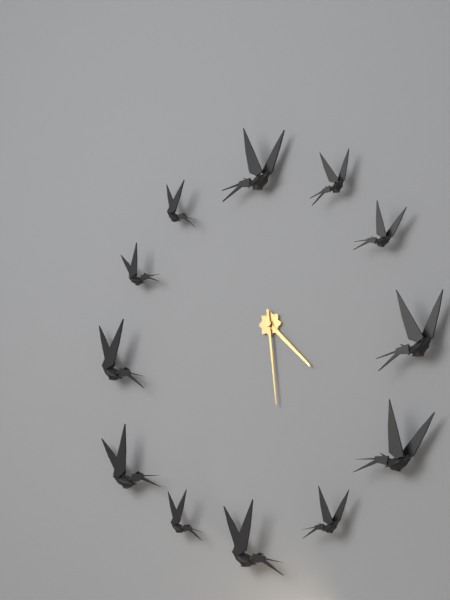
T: 4:29
